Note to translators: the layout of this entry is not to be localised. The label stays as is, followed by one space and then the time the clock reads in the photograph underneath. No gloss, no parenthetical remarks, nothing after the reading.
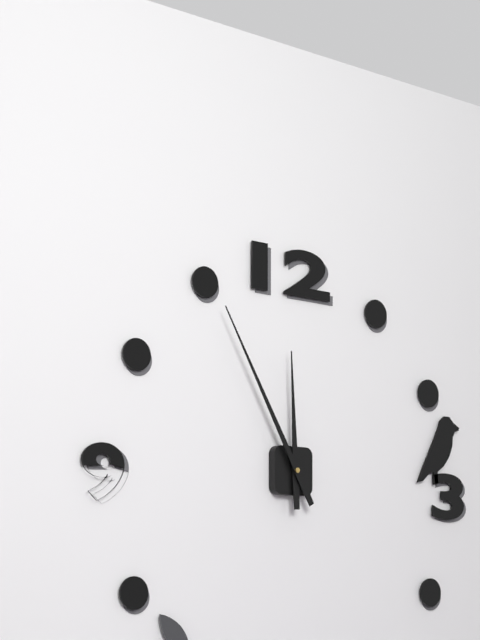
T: 11:55
